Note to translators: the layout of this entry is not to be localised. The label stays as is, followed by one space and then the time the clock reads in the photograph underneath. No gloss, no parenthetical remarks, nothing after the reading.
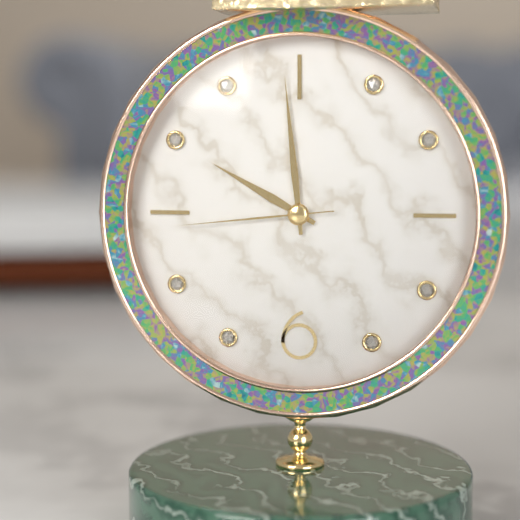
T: 9:59:44
